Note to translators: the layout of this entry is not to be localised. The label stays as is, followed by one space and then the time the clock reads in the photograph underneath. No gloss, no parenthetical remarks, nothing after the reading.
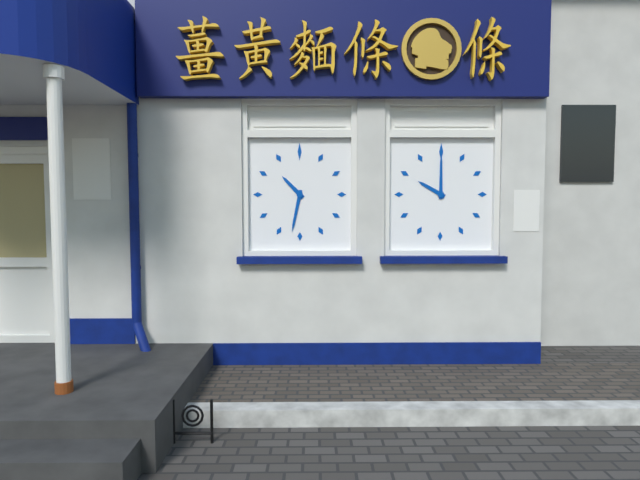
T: 10:32
